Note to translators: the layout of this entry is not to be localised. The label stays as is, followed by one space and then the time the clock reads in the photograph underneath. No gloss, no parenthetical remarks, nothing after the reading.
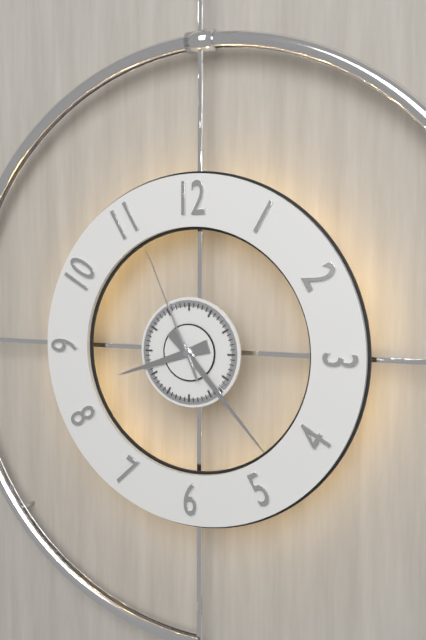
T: 8:23:56
